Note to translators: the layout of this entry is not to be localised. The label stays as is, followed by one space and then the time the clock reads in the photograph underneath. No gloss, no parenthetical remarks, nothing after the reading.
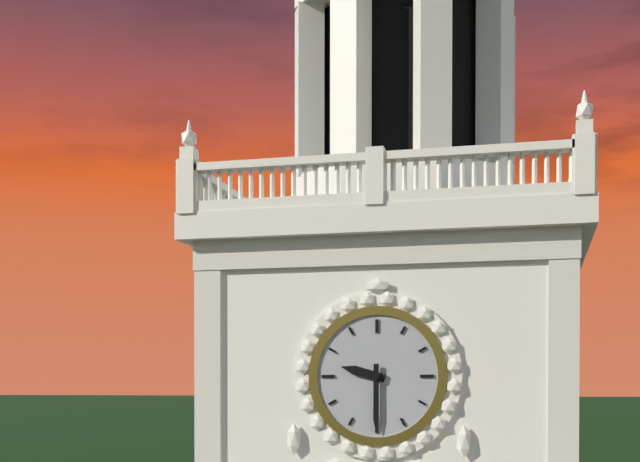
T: 9:30
